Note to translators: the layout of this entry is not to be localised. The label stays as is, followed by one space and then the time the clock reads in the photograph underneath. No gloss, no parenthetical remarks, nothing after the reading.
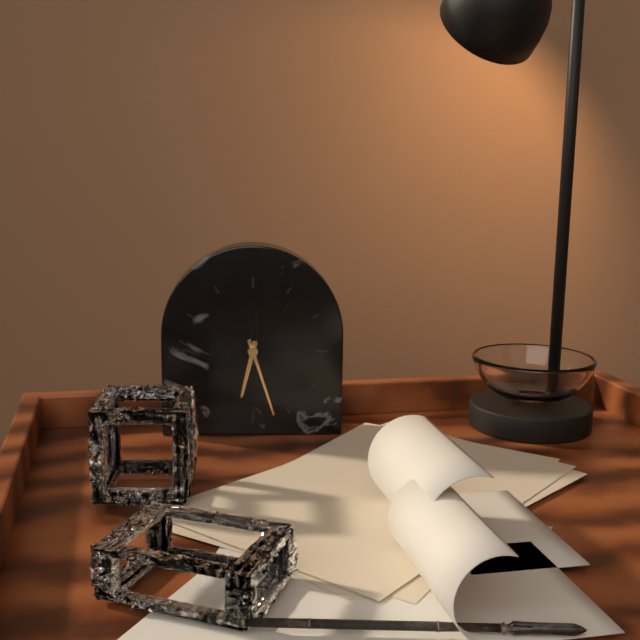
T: 6:27
